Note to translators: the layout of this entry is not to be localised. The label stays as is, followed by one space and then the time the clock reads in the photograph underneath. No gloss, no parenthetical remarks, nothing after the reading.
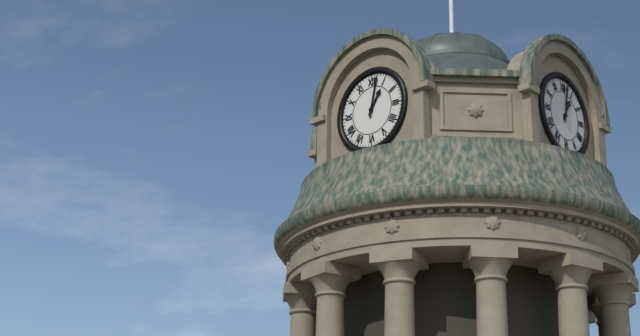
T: 1:02
